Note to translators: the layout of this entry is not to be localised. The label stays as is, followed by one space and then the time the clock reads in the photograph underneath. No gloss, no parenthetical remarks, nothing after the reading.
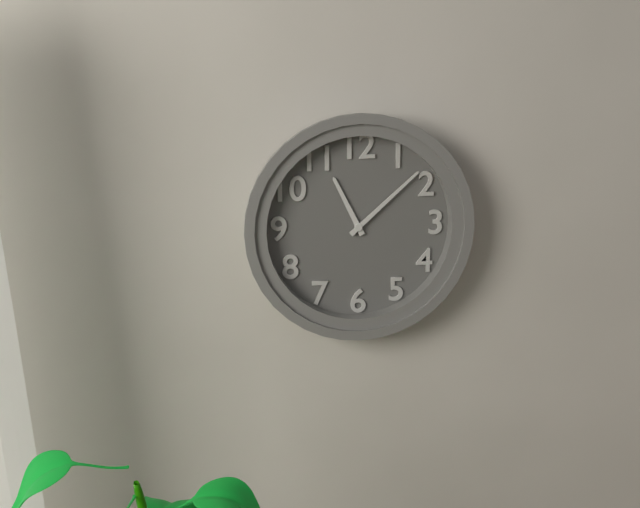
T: 11:08
